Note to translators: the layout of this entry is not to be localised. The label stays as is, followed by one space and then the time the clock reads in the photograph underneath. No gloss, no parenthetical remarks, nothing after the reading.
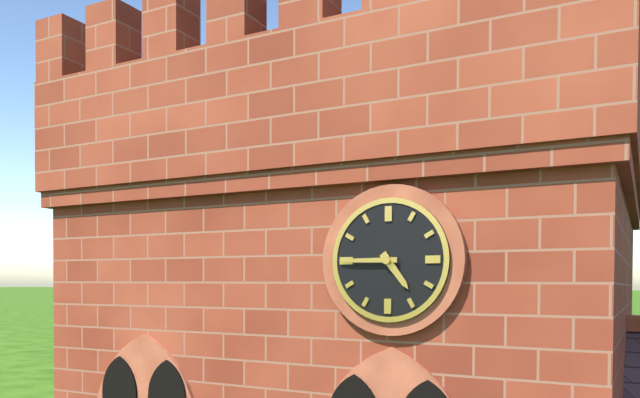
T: 4:45
